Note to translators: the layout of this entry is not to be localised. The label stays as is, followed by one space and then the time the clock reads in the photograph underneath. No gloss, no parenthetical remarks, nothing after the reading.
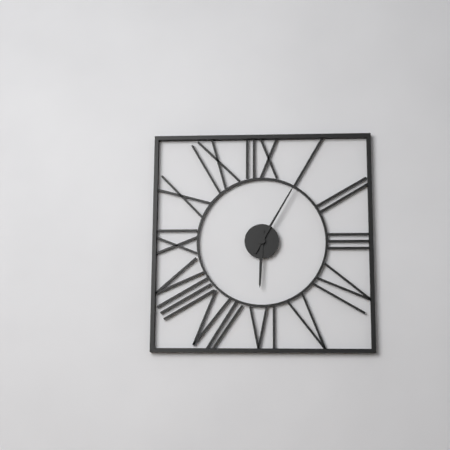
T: 6:05
